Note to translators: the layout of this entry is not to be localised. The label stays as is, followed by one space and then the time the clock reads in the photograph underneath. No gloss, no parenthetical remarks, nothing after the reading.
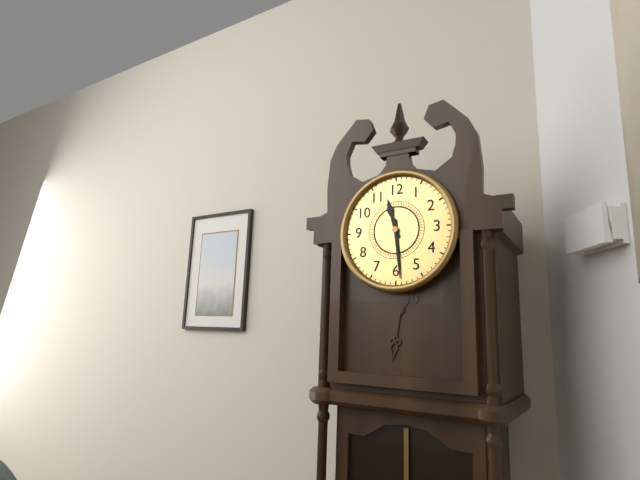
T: 11:29
